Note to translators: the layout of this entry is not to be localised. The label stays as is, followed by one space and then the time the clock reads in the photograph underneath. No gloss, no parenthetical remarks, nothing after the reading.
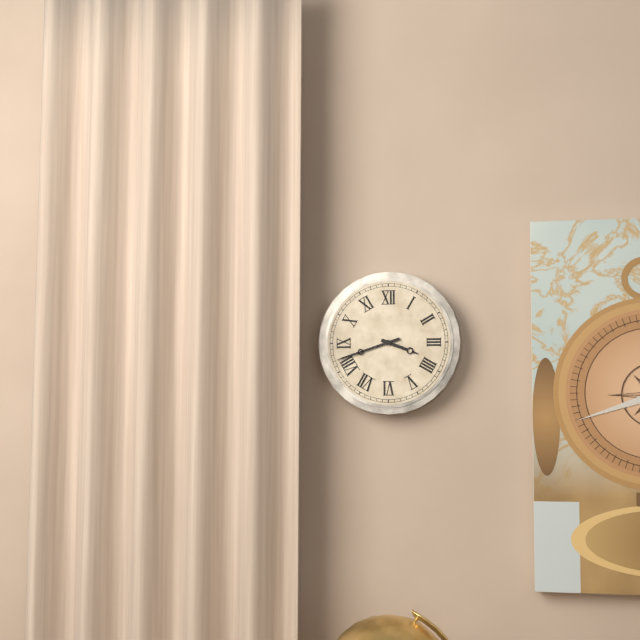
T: 3:42
